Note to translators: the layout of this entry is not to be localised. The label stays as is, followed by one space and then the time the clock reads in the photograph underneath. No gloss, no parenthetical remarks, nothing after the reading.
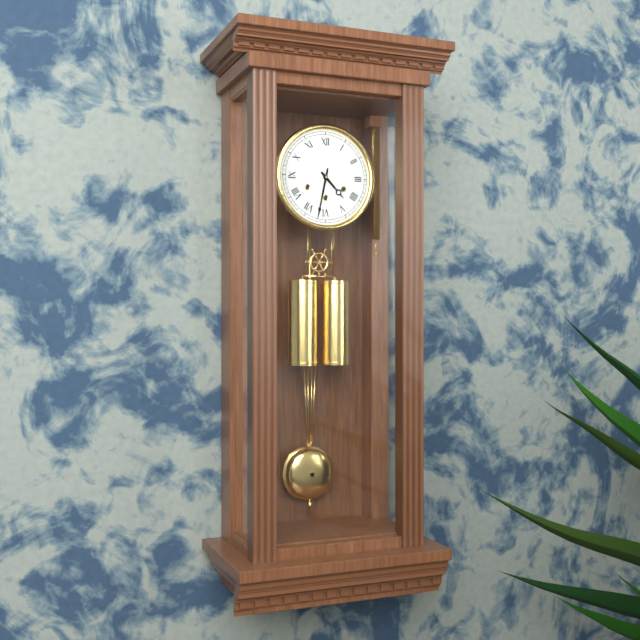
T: 4:32
